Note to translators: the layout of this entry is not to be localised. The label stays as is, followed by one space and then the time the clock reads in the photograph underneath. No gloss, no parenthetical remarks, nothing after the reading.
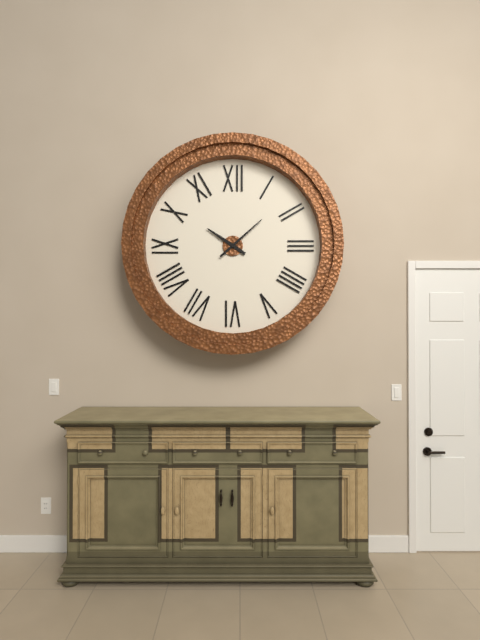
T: 10:08
